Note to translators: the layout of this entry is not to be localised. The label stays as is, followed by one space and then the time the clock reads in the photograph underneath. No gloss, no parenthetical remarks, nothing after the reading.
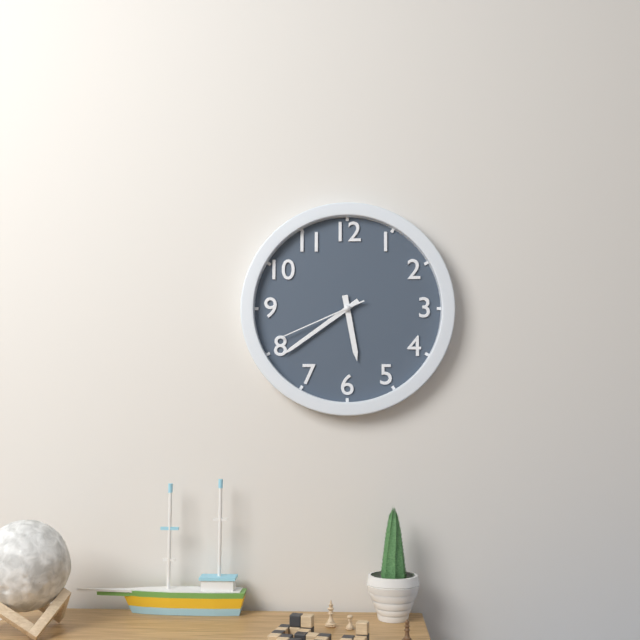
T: 5:39:41
